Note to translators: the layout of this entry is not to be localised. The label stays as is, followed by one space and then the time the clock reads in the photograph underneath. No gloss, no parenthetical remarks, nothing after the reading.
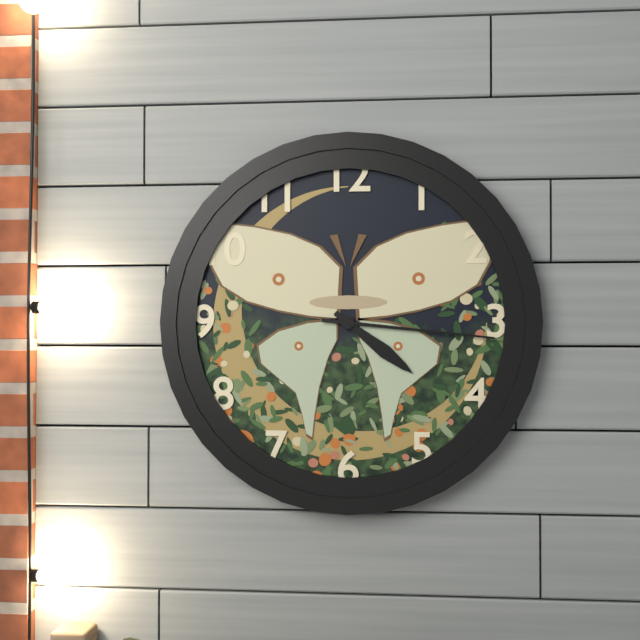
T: 4:16
